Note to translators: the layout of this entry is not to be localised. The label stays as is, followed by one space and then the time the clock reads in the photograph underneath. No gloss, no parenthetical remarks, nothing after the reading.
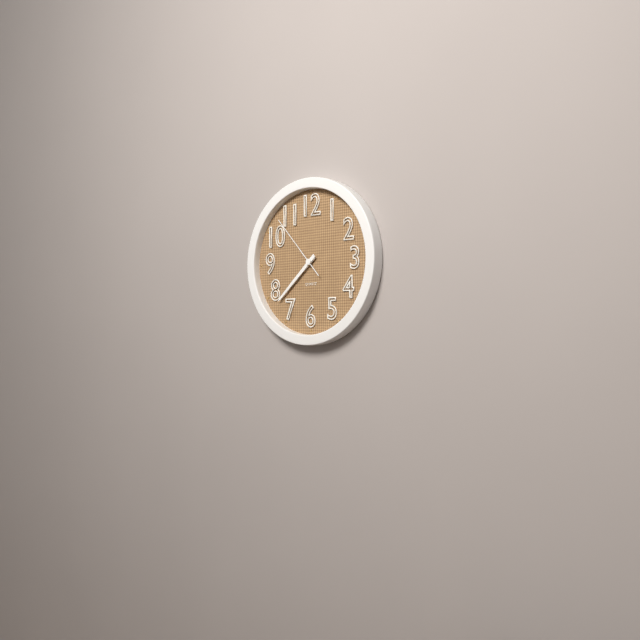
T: 7:38:53
